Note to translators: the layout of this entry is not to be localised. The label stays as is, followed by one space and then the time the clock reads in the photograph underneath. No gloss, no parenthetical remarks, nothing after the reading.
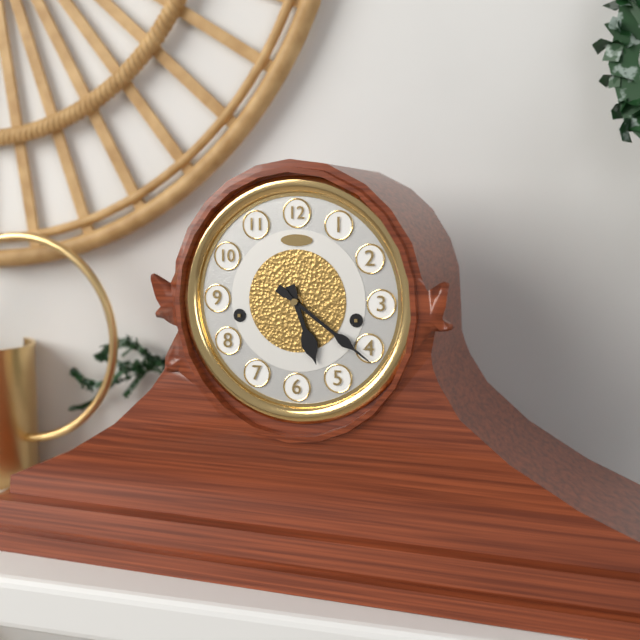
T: 5:21
